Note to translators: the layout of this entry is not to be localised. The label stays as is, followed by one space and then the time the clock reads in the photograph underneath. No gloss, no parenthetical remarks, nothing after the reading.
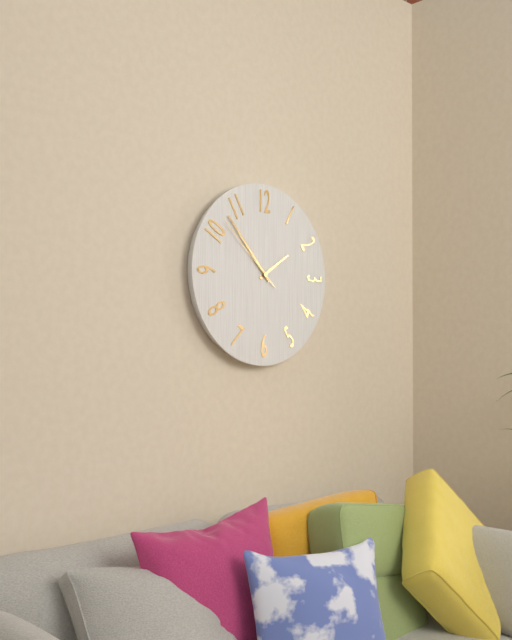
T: 1:53:52
